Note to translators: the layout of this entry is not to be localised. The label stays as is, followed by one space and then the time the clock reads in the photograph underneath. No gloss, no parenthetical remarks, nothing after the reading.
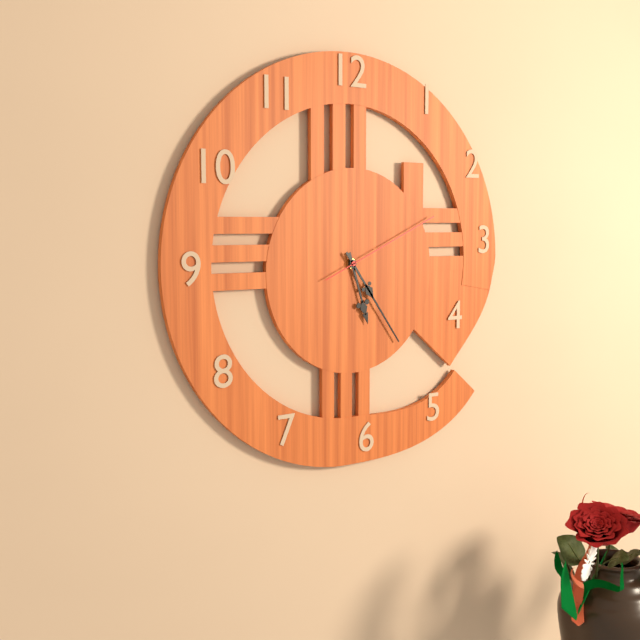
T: 5:24:11
